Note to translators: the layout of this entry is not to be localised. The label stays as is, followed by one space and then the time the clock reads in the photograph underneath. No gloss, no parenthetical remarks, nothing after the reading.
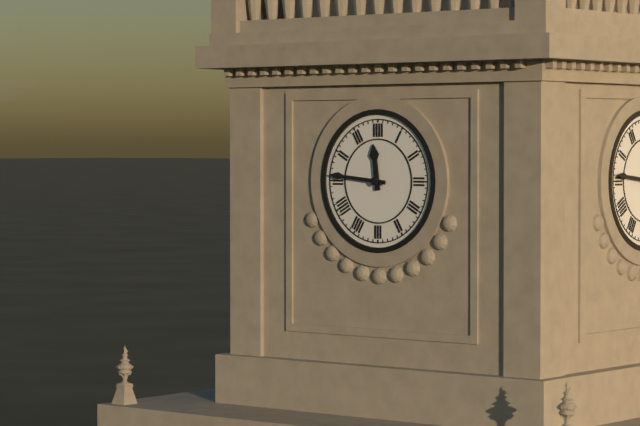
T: 11:46
